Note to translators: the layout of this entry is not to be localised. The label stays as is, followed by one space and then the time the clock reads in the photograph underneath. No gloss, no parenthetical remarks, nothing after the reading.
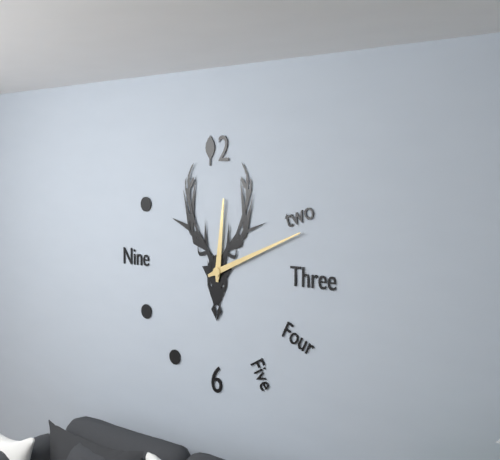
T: 12:11
